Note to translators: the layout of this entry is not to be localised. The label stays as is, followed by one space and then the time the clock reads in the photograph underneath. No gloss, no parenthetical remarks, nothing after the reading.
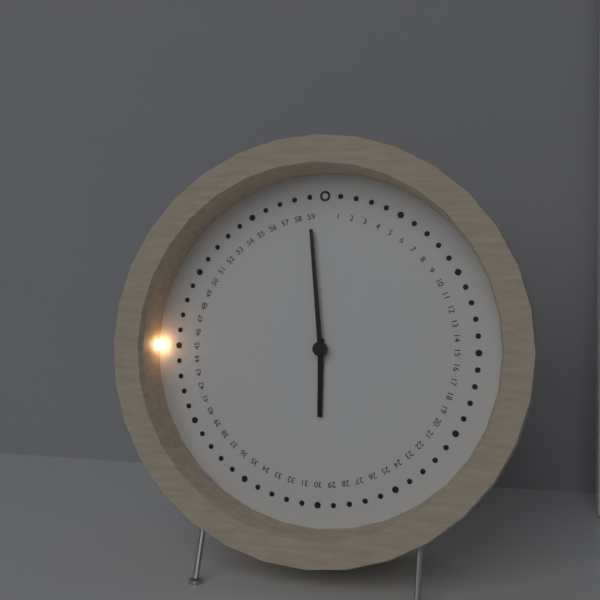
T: 5:59
